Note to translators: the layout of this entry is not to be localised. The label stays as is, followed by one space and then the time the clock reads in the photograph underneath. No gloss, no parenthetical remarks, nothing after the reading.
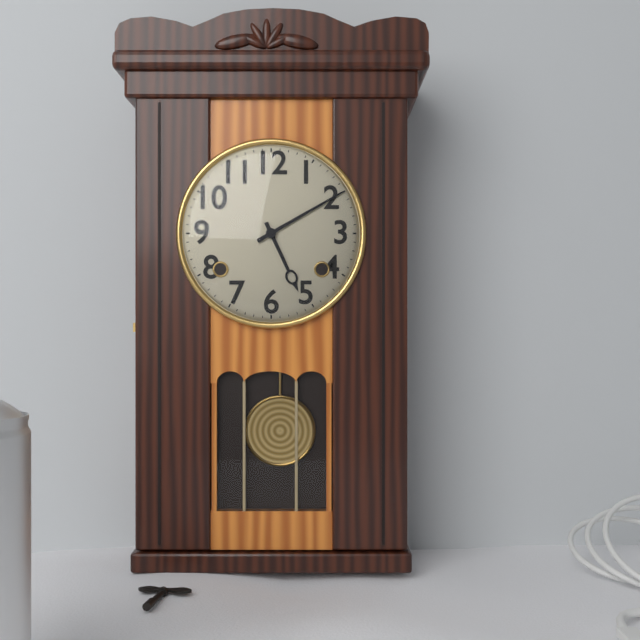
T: 5:10
